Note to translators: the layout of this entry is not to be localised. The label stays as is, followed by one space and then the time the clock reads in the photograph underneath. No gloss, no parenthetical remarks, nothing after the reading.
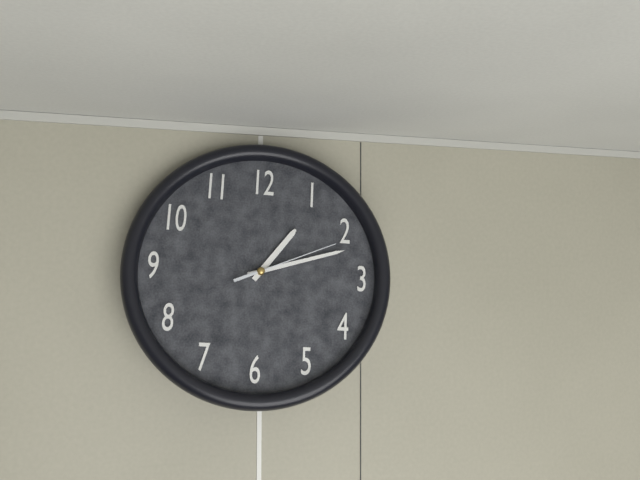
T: 1:12:11
